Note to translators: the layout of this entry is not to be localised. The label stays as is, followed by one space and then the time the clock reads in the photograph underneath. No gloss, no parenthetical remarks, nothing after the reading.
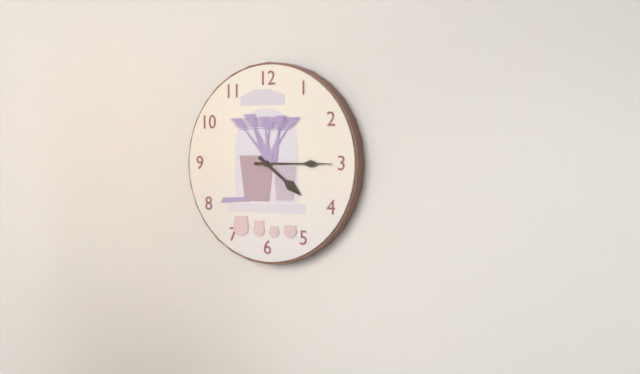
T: 4:15
